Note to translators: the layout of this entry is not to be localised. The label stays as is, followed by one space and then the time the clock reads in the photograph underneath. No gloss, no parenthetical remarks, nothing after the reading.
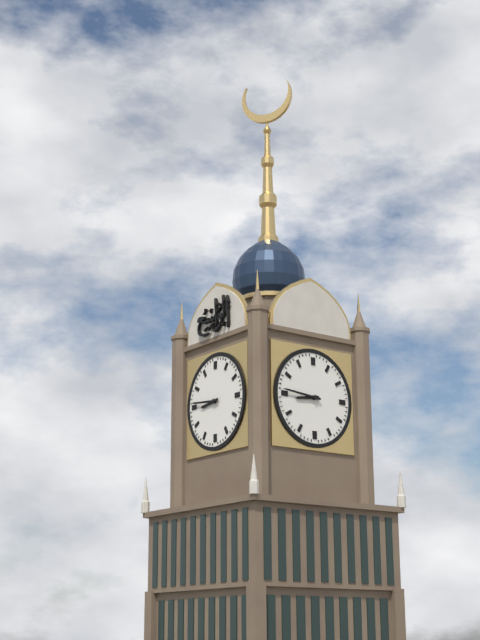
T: 8:46
